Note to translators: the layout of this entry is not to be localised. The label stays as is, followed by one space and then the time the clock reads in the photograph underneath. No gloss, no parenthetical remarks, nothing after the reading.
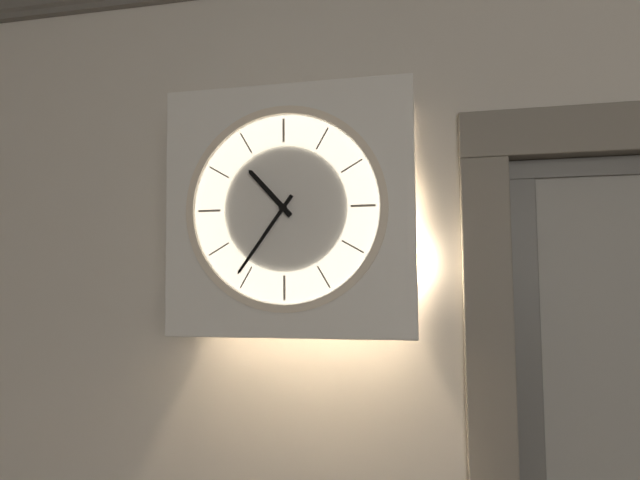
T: 10:36
